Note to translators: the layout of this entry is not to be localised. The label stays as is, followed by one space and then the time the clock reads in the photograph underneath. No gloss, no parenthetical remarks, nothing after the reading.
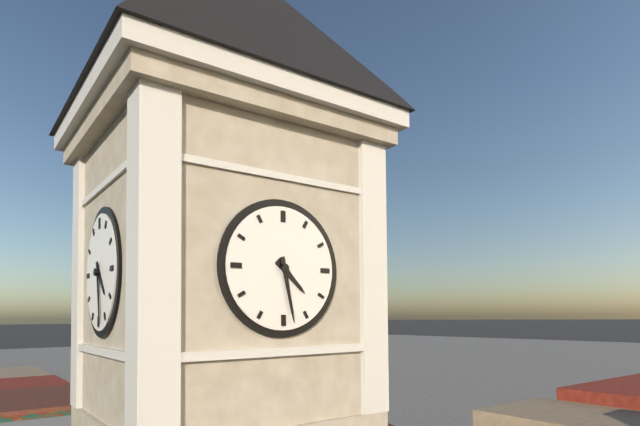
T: 4:28
